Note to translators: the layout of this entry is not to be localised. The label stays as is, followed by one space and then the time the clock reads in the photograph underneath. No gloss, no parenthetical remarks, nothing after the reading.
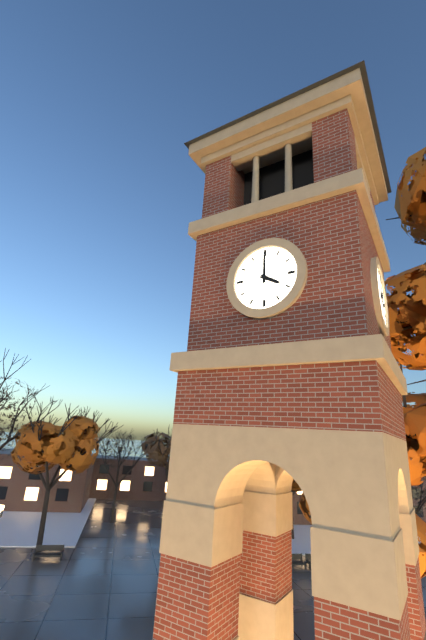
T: 4:00
